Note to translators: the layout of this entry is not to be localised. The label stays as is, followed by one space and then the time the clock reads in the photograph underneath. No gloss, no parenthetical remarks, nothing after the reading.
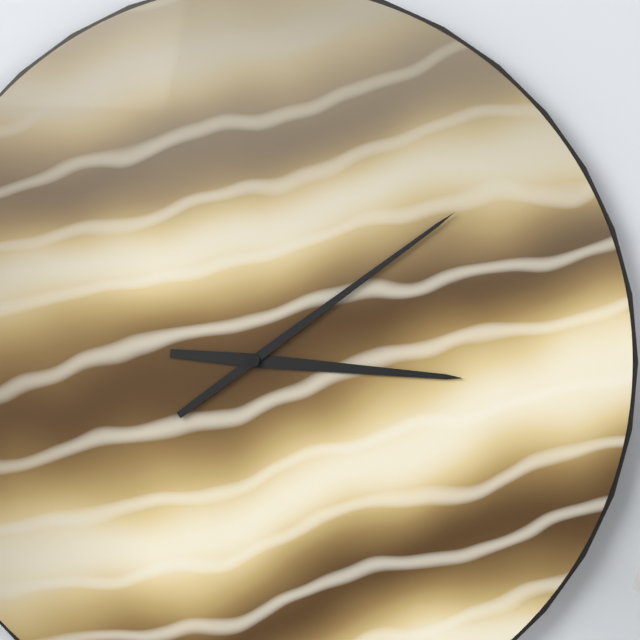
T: 3:09
